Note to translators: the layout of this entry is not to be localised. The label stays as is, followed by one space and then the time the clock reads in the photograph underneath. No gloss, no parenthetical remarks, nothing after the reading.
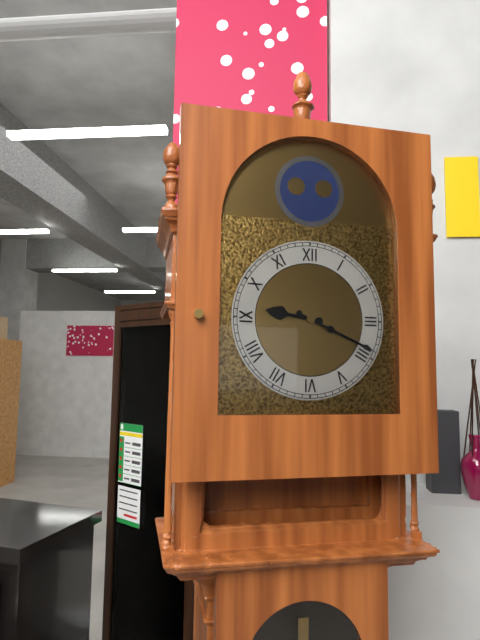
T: 9:19
